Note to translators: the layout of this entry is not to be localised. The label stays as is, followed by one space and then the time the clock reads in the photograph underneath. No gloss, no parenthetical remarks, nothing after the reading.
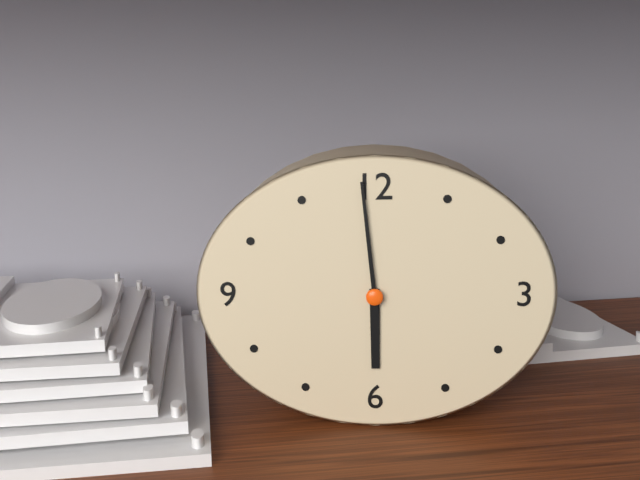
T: 5:59
